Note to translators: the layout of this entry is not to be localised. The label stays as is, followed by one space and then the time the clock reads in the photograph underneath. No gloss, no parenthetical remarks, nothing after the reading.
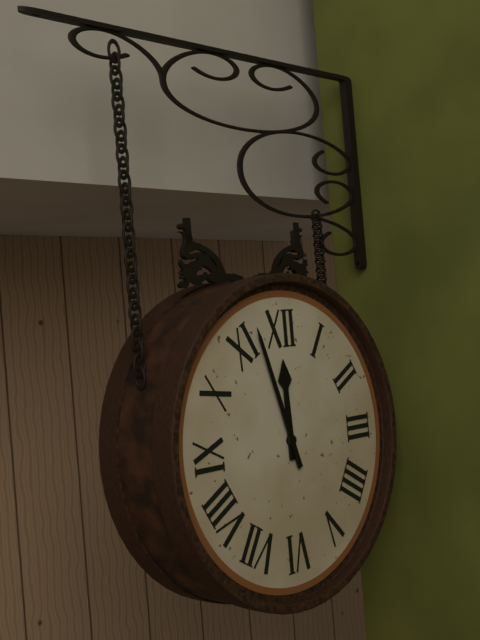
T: 11:57
